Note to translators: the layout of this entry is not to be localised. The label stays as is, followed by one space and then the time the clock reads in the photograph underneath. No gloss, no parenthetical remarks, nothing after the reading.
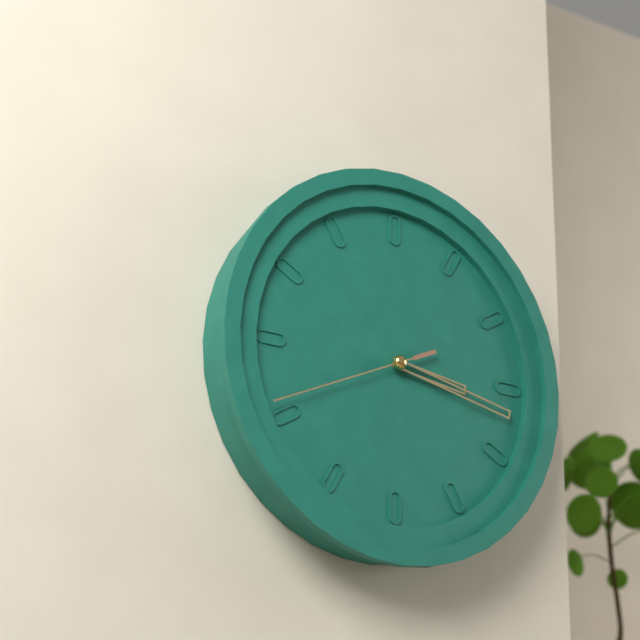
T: 3:17:41
